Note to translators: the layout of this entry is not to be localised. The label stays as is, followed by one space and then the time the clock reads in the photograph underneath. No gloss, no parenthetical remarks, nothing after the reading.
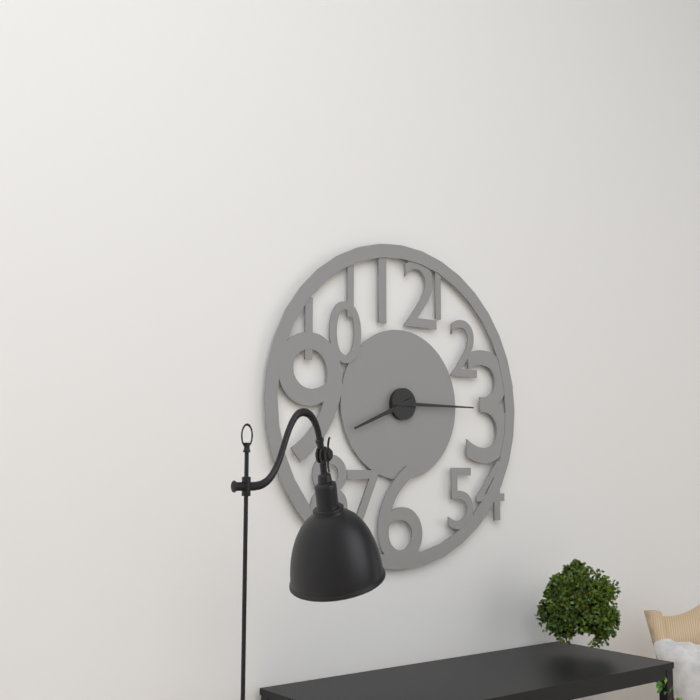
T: 8:15
